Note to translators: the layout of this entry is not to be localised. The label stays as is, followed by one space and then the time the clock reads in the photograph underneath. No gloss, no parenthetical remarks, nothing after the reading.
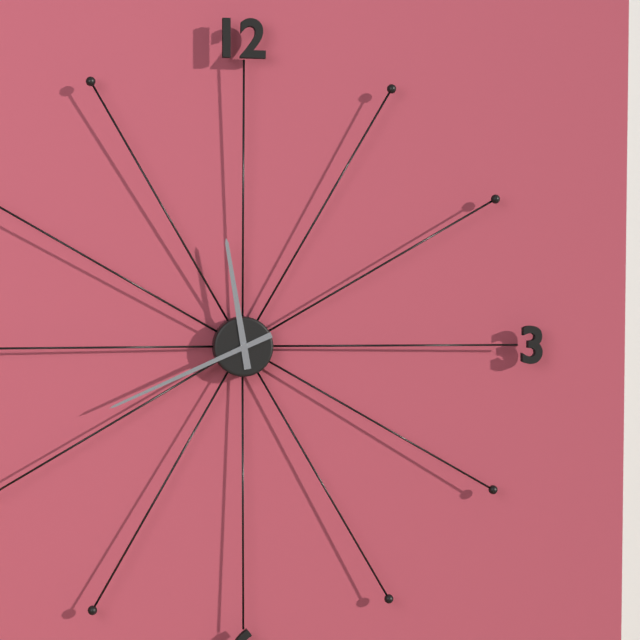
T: 11:41
